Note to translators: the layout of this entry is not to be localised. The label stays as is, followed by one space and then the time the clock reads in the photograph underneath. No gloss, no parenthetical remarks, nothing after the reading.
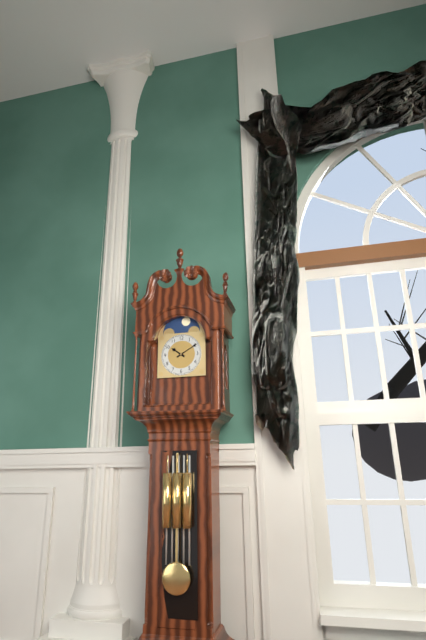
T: 10:10
